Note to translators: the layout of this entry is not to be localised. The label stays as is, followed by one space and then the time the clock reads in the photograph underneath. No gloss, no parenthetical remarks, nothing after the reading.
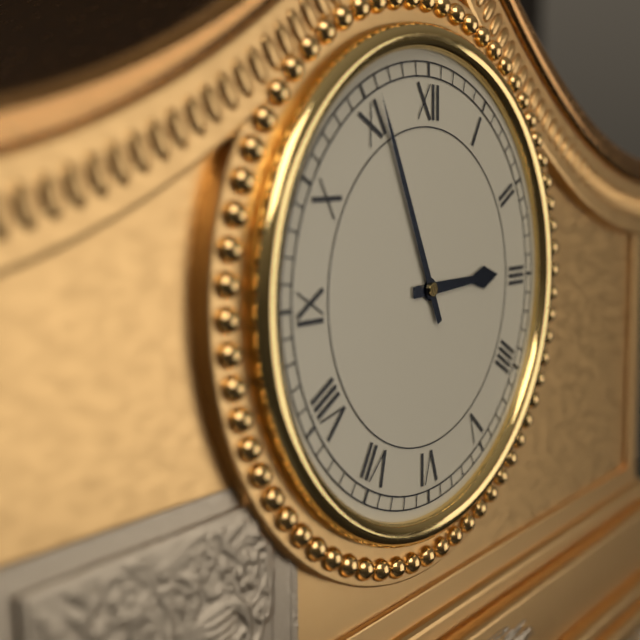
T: 2:56
